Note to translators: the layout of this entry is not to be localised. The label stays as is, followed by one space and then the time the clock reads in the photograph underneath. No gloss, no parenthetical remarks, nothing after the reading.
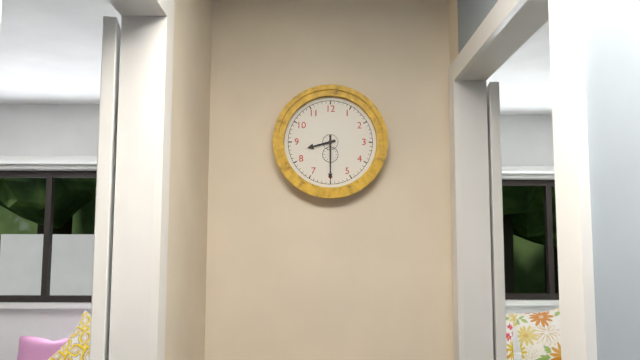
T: 8:30
